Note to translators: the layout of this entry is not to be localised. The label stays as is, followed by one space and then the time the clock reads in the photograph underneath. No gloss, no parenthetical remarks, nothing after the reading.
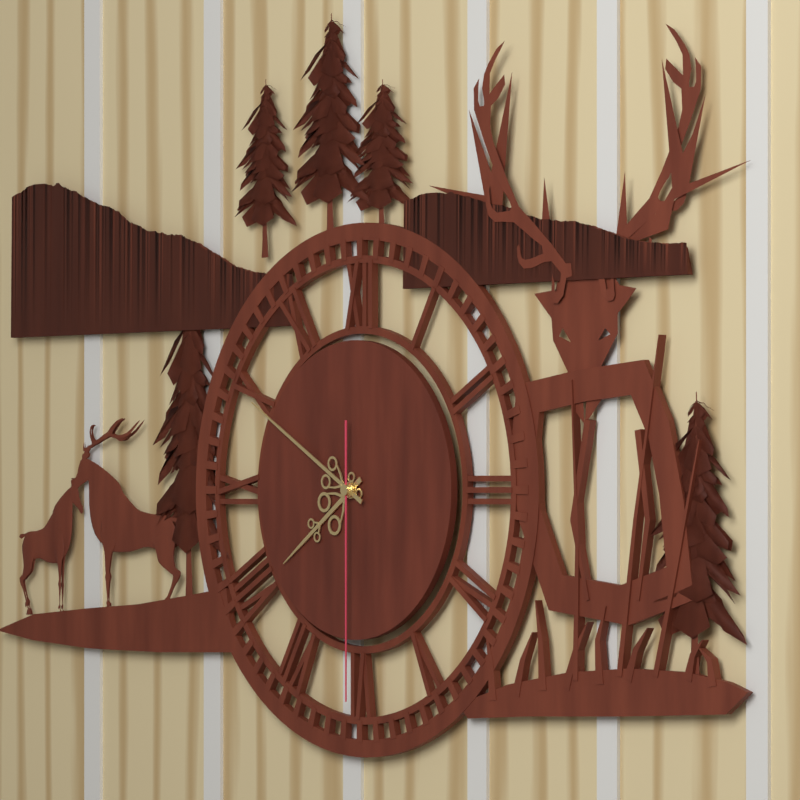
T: 7:50:30
